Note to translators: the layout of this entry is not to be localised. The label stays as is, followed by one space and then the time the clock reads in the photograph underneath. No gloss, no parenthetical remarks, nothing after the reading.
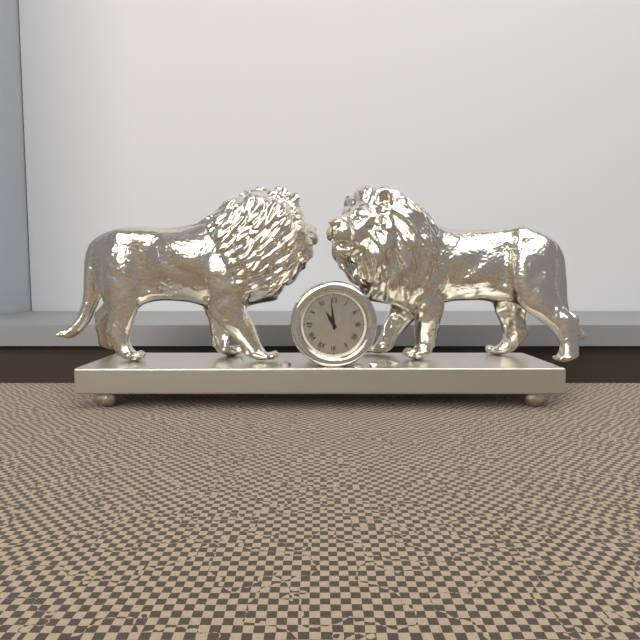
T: 10:59
